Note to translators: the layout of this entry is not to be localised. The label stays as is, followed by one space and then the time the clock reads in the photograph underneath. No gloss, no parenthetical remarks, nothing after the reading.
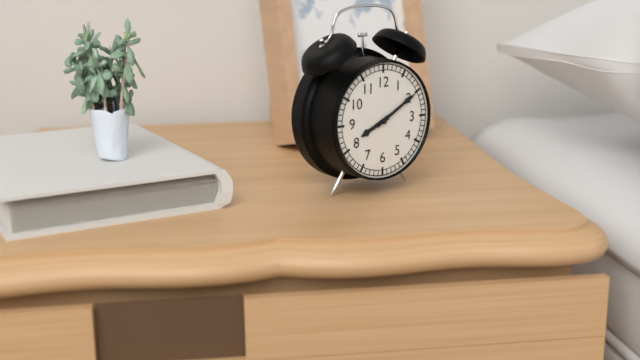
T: 8:10
